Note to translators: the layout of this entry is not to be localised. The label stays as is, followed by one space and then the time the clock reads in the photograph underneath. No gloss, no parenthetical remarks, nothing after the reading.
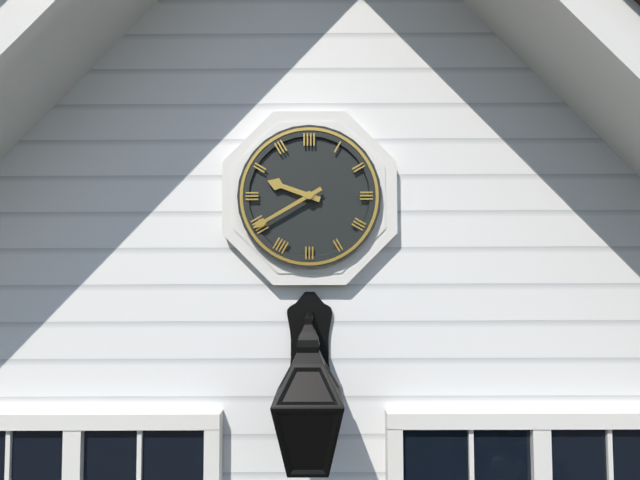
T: 9:40
